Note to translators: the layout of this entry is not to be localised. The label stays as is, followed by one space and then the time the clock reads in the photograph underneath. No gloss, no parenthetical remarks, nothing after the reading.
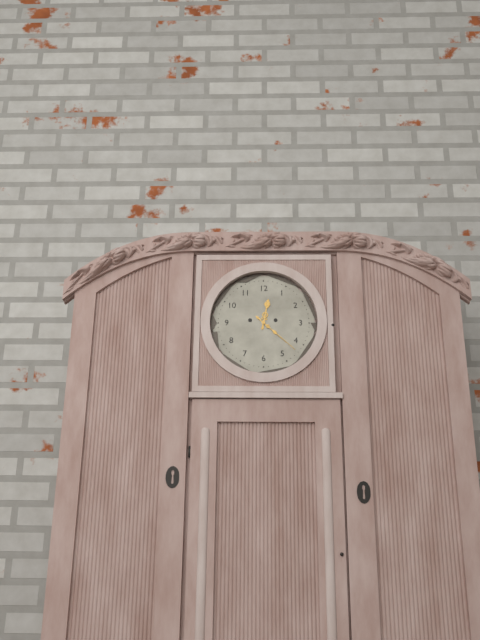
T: 12:22
